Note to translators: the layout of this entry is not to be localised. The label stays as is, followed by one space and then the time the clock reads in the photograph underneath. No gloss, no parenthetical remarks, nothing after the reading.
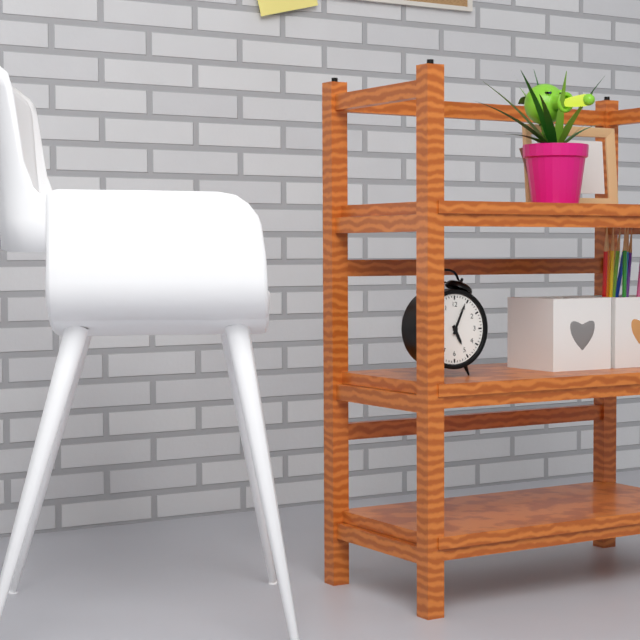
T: 5:04
